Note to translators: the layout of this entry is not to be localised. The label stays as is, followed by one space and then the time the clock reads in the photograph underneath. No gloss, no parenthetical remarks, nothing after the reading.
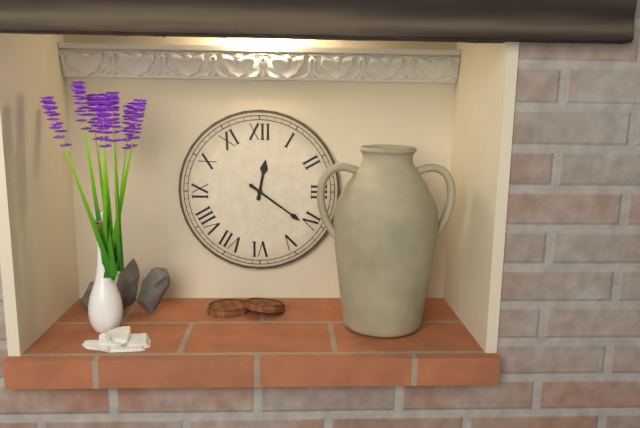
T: 12:21
